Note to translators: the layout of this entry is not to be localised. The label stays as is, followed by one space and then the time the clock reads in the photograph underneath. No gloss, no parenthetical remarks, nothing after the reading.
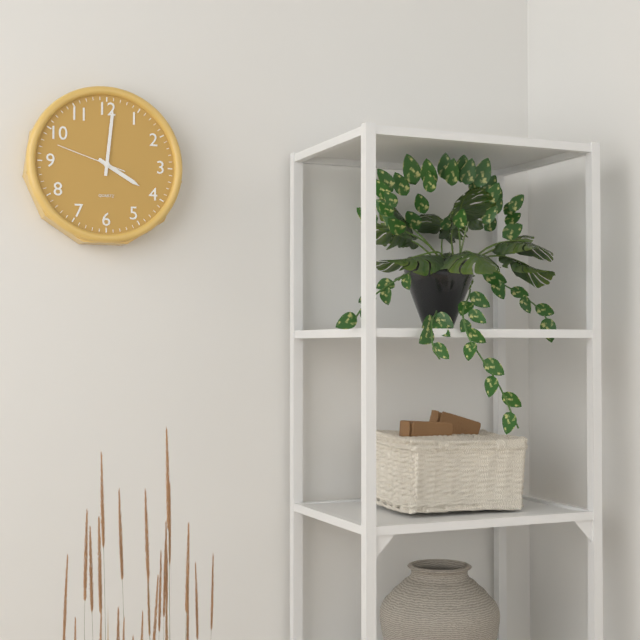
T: 4:01:48
